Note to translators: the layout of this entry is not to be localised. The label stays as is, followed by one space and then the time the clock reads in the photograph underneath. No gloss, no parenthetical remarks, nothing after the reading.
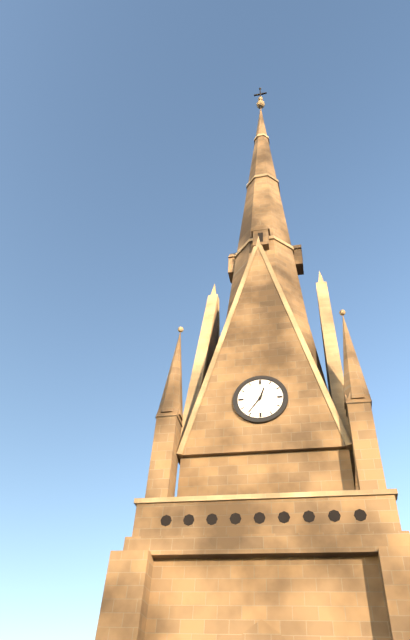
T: 12:36
